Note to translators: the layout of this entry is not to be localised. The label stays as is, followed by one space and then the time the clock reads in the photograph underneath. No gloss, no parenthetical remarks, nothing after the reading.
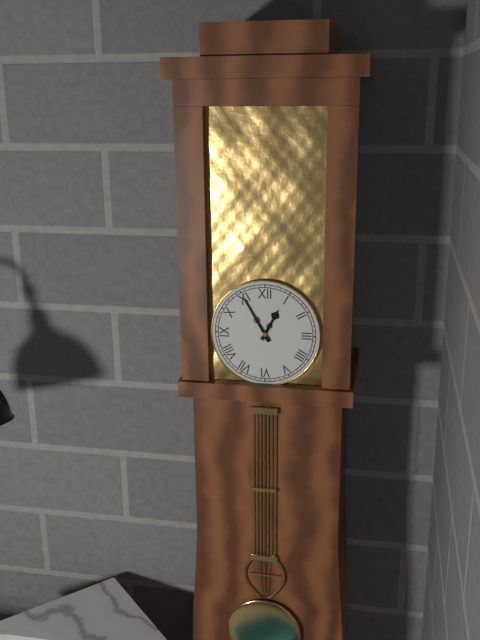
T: 12:55
